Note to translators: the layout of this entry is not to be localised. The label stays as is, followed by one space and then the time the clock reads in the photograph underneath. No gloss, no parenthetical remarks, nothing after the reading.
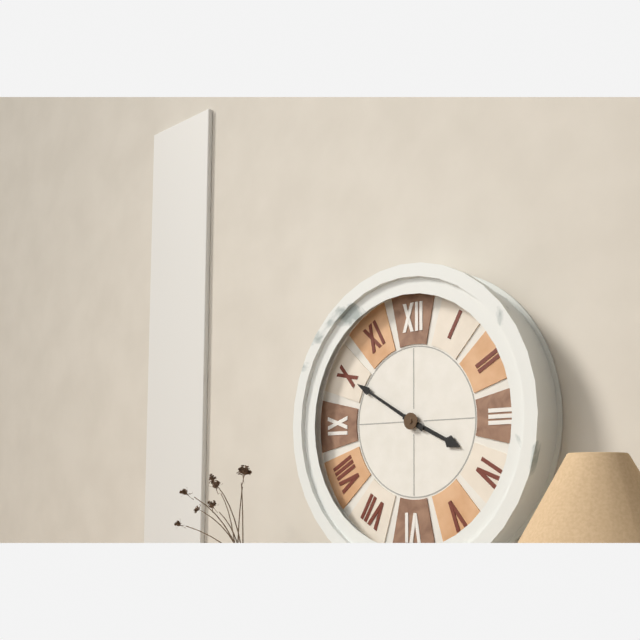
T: 3:50
